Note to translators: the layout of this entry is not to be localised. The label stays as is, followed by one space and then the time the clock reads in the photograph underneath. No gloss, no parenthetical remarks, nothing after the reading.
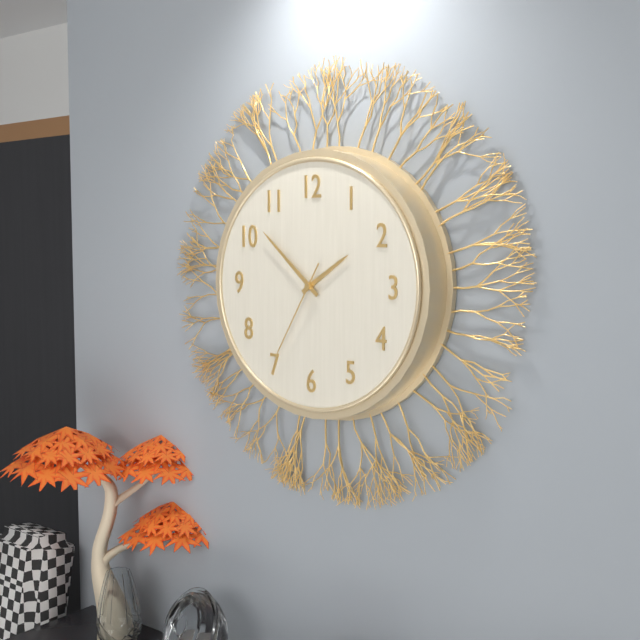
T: 1:52:35
